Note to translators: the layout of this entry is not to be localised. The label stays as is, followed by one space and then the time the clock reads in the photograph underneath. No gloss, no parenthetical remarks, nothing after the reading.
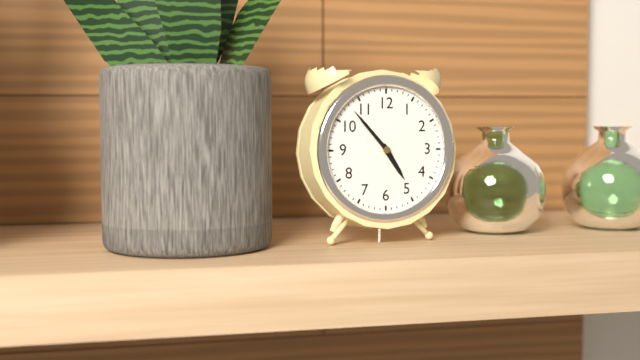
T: 4:53
